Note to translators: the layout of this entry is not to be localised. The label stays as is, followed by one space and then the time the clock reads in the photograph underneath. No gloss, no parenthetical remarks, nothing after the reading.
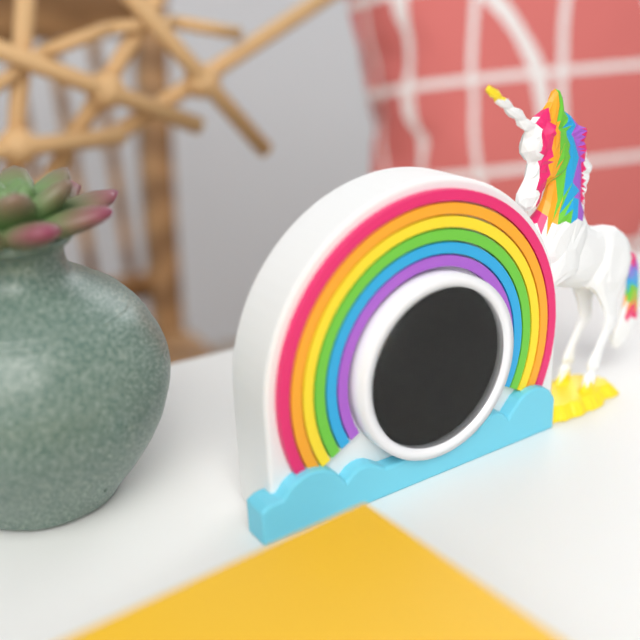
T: 4:12
